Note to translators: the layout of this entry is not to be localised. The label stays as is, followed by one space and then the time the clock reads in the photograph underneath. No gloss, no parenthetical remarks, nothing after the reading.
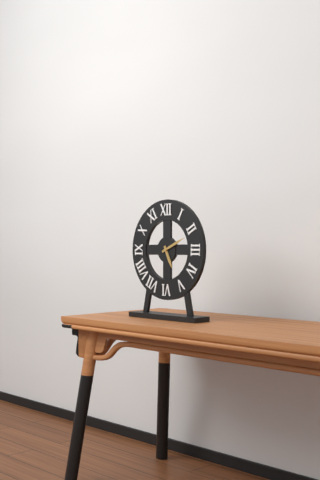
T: 5:11
